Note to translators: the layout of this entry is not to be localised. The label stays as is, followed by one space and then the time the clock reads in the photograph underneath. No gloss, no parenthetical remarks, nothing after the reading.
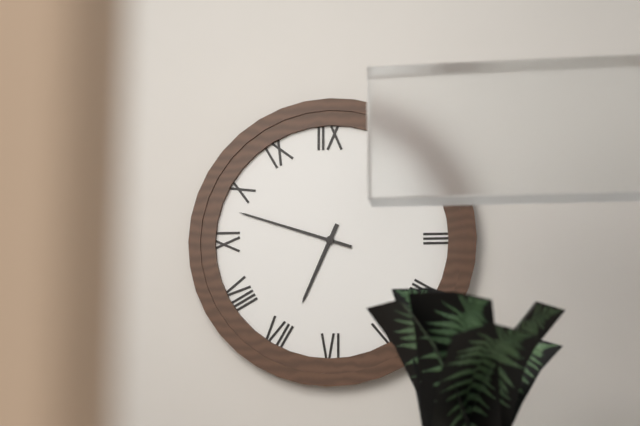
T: 6:48
